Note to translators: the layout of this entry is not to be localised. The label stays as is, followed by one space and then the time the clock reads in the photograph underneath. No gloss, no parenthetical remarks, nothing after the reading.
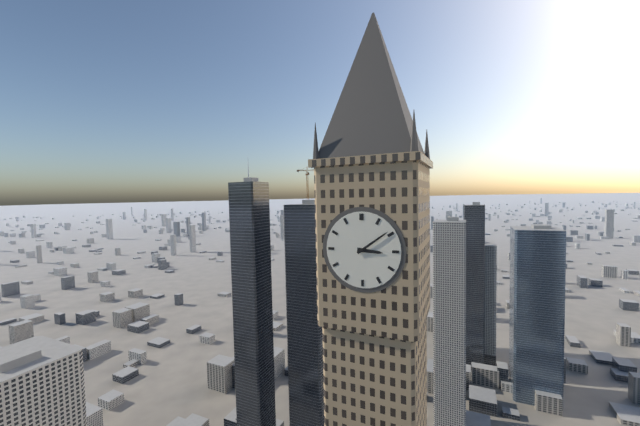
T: 3:09
